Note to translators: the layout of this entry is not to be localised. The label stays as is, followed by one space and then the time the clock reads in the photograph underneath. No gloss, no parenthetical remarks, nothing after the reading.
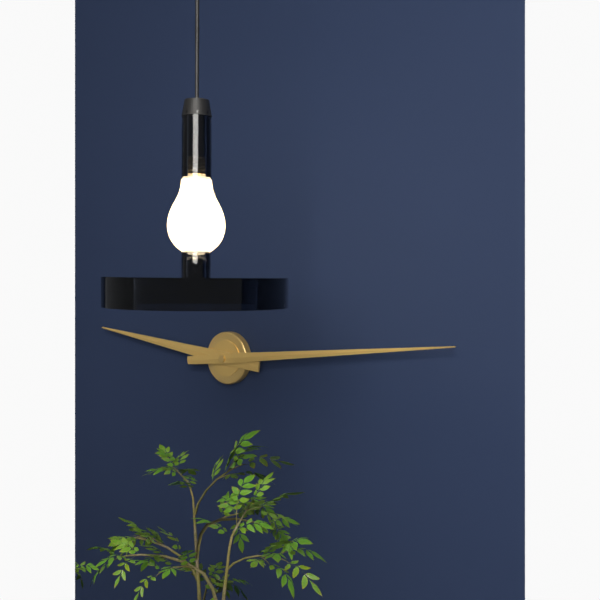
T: 9:14
